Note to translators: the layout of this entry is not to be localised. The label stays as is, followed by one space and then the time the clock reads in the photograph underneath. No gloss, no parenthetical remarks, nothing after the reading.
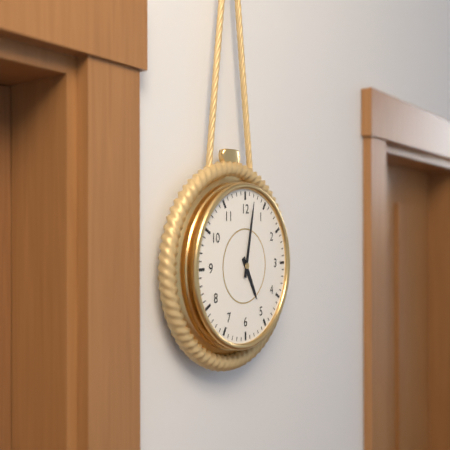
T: 5:02
